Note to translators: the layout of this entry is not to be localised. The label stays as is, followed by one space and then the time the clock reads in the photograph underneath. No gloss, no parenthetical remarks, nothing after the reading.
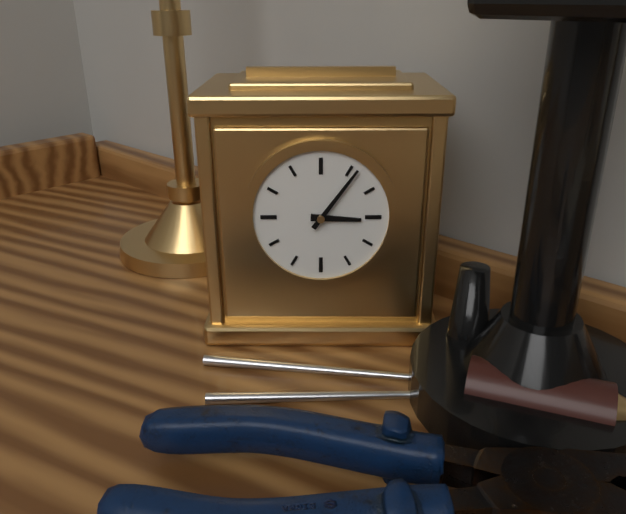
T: 3:06
